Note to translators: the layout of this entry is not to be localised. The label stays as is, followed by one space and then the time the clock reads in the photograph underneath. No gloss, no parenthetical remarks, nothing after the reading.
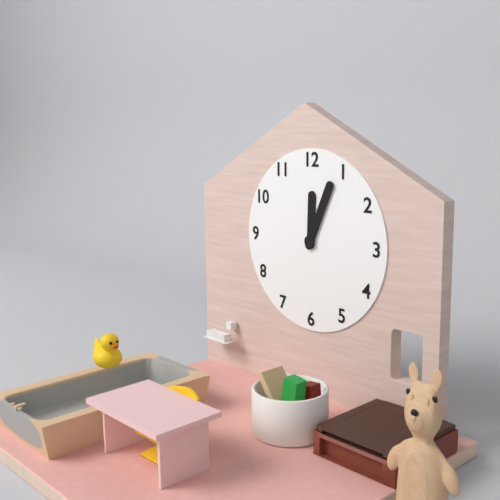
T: 12:04
